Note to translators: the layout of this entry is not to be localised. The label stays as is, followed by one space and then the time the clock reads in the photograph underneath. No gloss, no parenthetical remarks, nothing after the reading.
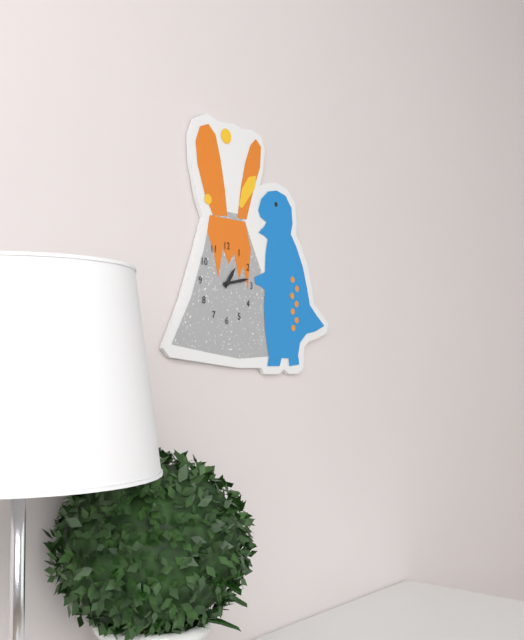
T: 1:13
